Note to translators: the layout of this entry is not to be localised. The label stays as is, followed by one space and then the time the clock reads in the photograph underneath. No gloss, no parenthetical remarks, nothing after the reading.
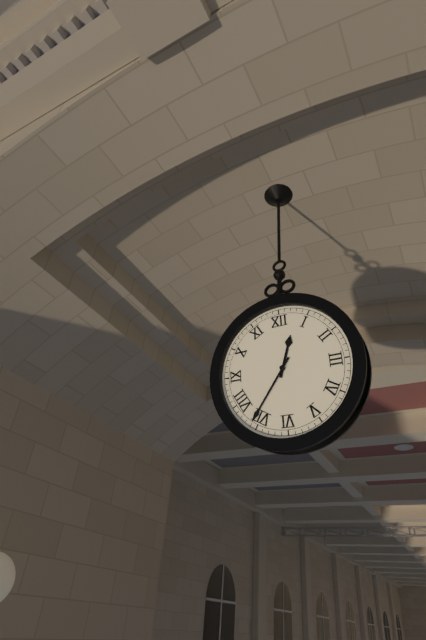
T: 12:36
